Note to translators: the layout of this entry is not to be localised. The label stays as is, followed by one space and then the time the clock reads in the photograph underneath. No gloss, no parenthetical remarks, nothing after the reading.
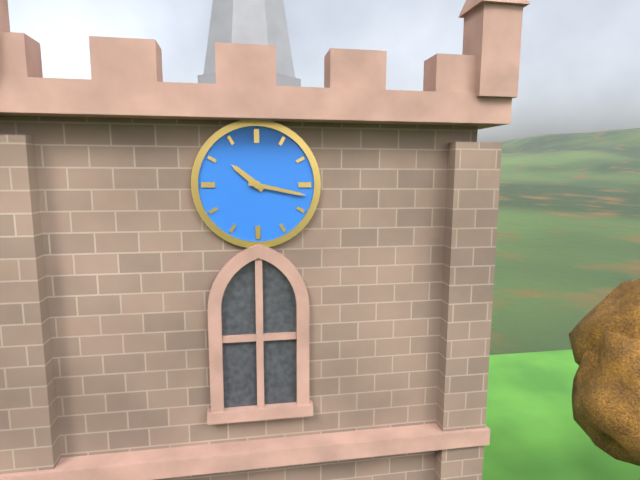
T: 10:17
